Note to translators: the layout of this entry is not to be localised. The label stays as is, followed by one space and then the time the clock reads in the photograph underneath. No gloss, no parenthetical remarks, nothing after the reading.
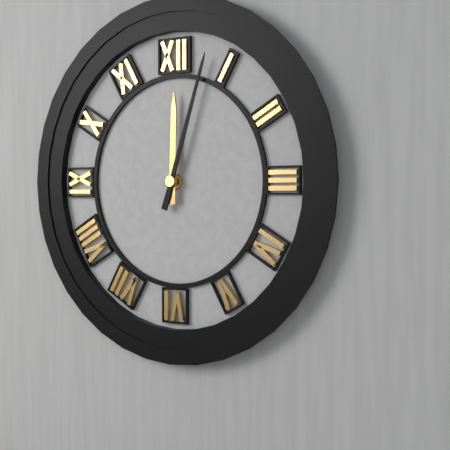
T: 12:03
